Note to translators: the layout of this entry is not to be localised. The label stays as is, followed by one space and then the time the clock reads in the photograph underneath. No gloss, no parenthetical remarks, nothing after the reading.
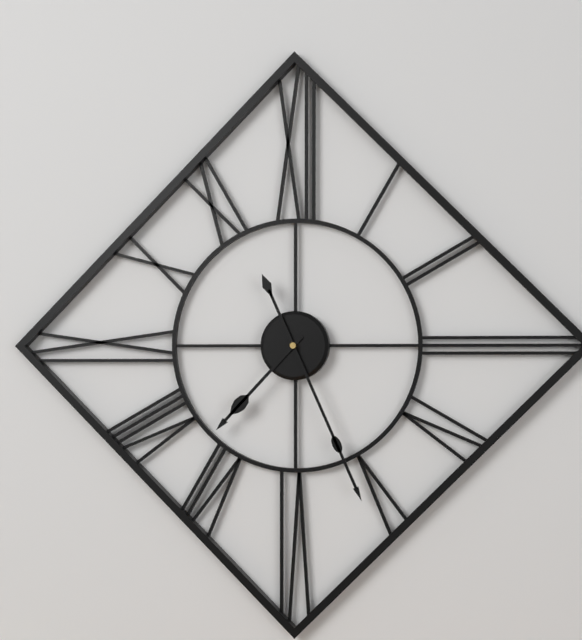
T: 7:26
